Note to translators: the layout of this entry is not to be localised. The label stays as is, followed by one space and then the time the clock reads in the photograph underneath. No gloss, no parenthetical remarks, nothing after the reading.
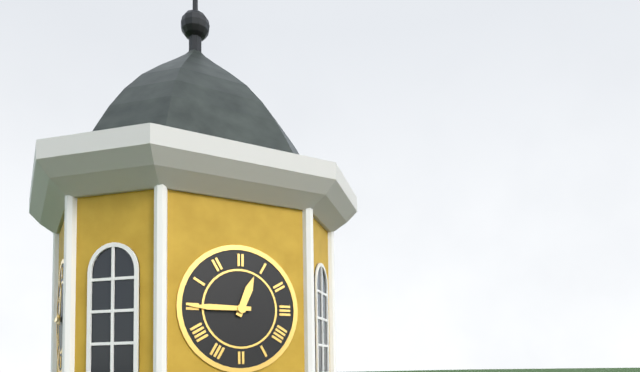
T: 12:45
